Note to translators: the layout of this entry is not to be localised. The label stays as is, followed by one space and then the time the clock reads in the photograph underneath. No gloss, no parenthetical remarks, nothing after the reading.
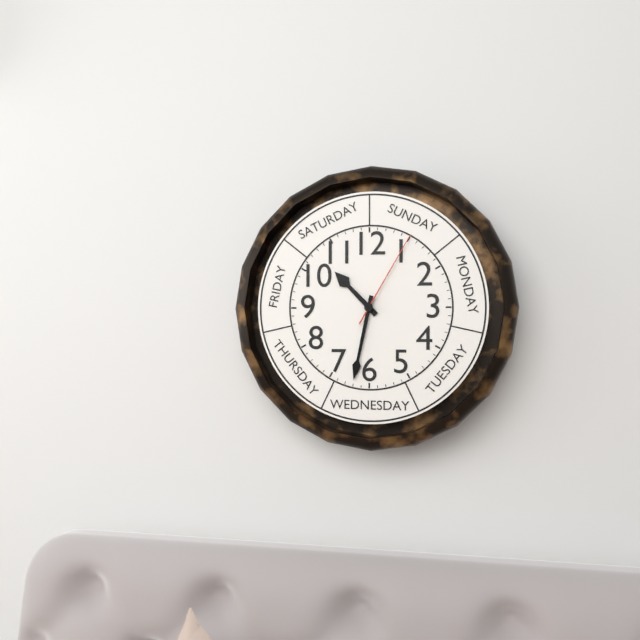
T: 10:32:05
